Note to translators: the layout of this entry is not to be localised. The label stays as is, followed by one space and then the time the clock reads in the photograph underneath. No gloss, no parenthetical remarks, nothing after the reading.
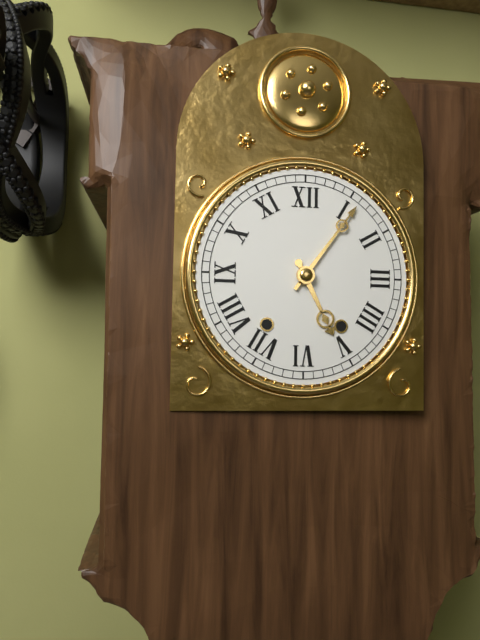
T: 5:06
